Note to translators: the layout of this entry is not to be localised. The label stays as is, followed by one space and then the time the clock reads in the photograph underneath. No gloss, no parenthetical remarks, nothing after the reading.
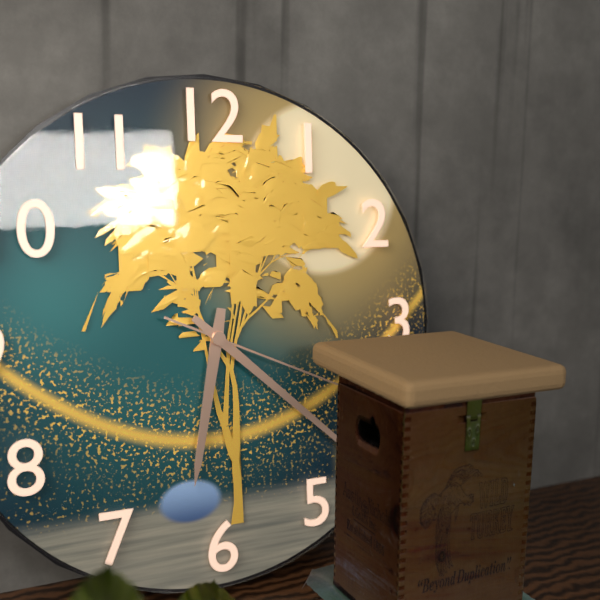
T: 6:22
